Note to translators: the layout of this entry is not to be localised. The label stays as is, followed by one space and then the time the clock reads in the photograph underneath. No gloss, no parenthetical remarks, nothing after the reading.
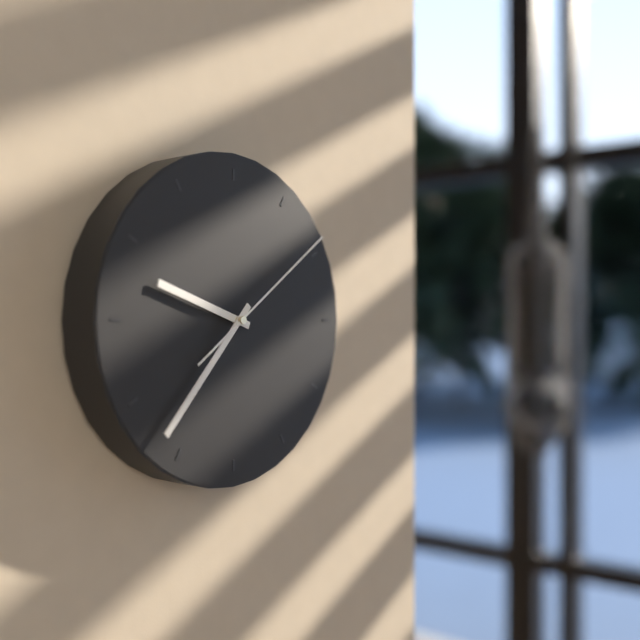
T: 9:37:09
